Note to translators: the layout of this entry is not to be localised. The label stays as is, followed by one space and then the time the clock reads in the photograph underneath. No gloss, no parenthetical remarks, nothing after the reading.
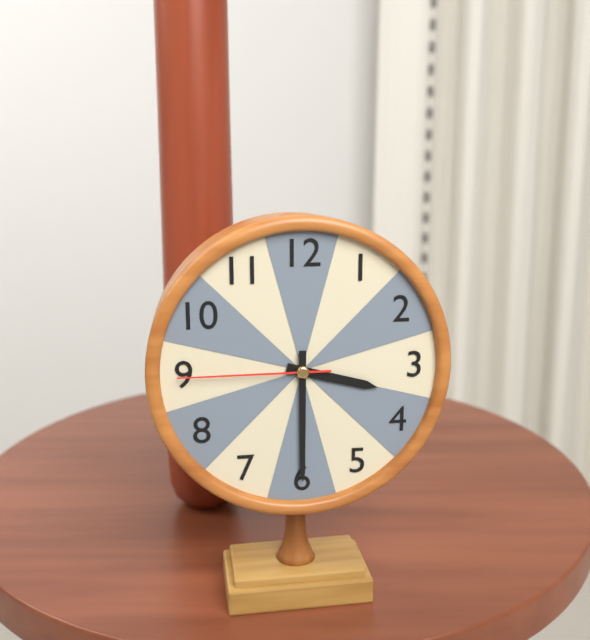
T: 3:30:45
